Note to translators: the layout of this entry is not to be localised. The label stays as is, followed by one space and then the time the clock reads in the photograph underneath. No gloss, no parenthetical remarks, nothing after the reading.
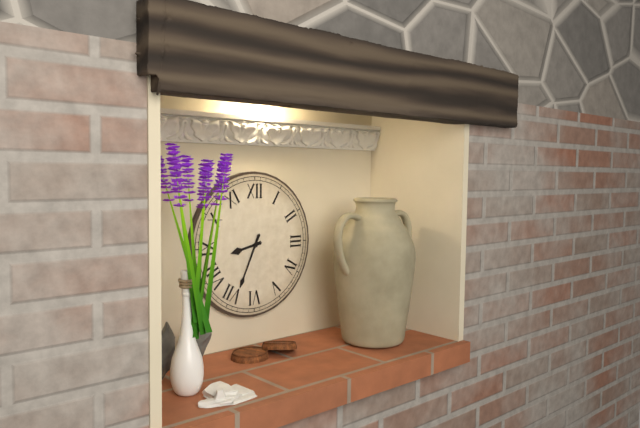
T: 8:34
